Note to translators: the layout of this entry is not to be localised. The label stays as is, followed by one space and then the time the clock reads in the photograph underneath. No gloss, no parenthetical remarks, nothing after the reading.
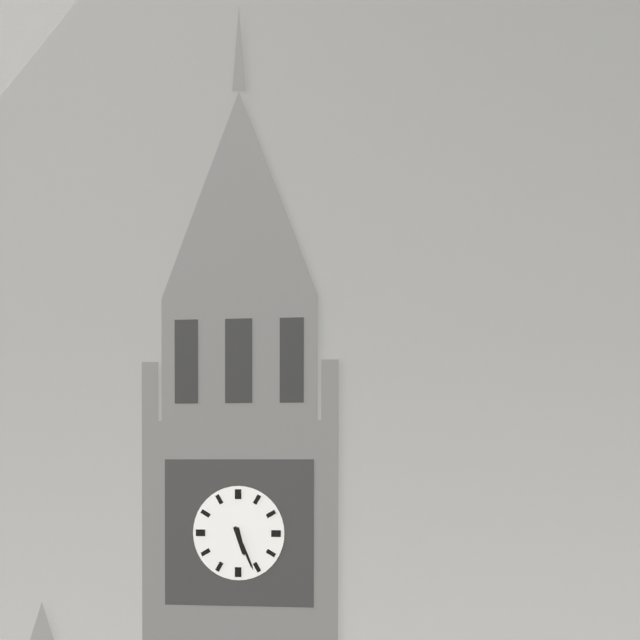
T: 5:26
